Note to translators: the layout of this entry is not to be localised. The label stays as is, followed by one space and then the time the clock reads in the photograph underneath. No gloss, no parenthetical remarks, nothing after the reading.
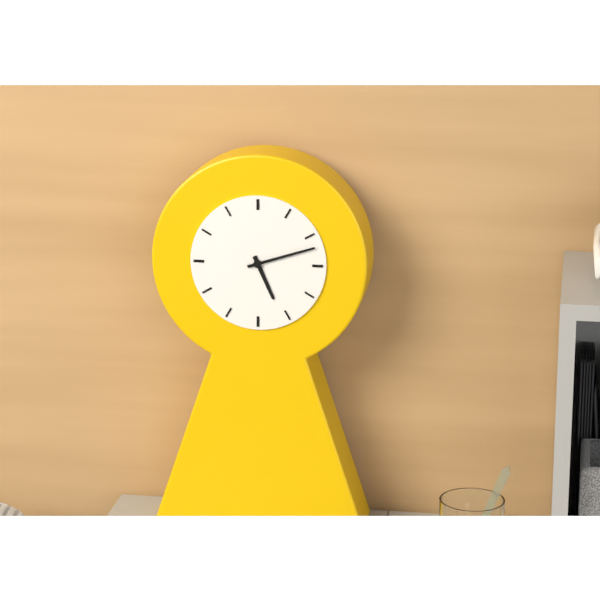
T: 5:12
